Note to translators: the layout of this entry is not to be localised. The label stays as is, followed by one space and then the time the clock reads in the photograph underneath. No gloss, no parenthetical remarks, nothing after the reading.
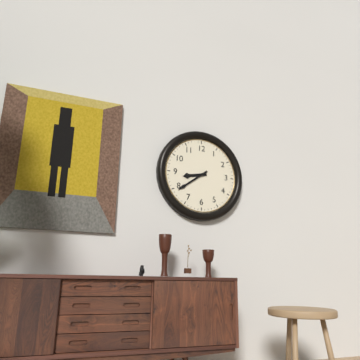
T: 8:39
